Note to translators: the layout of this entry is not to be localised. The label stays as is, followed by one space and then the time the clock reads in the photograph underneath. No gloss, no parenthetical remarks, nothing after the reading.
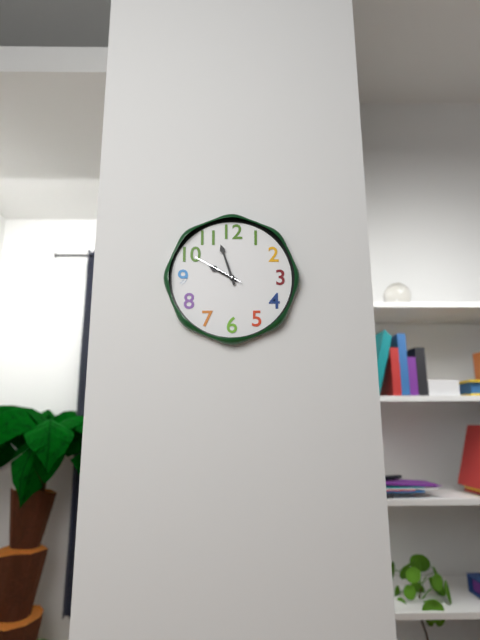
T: 9:57:50
